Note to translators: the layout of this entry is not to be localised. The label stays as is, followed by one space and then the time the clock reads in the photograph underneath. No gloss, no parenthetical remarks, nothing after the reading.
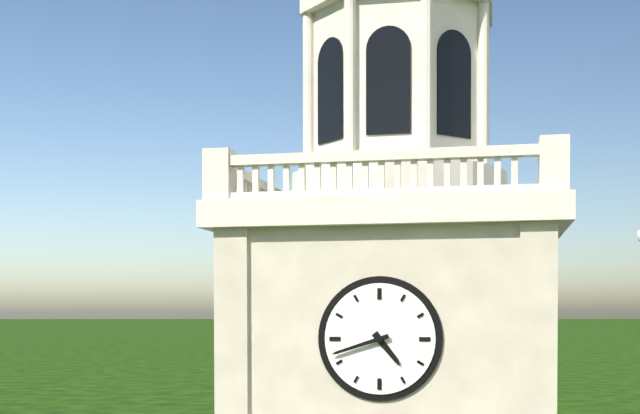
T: 4:42
